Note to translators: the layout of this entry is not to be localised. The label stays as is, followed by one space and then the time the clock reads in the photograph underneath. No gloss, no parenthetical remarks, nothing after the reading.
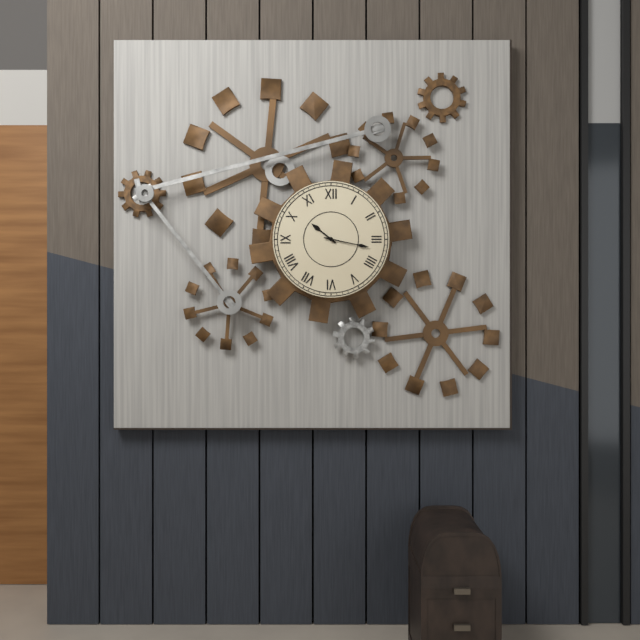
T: 10:17
